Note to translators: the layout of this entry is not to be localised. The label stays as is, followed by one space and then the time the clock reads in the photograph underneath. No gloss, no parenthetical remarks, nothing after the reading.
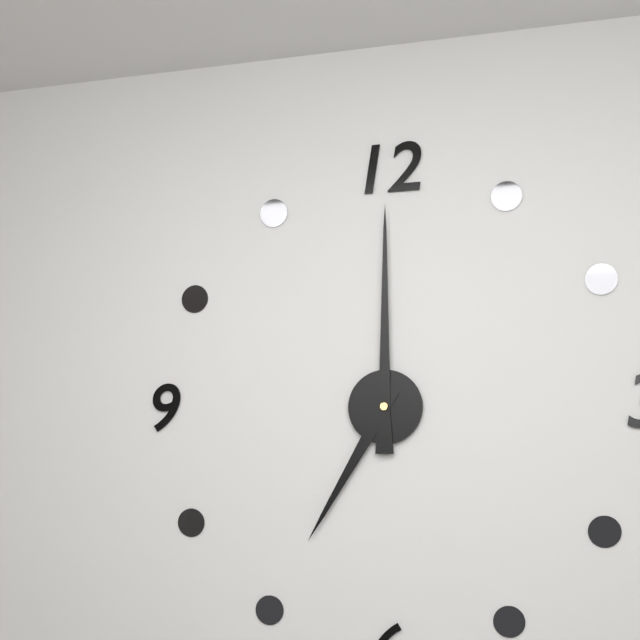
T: 7:00
